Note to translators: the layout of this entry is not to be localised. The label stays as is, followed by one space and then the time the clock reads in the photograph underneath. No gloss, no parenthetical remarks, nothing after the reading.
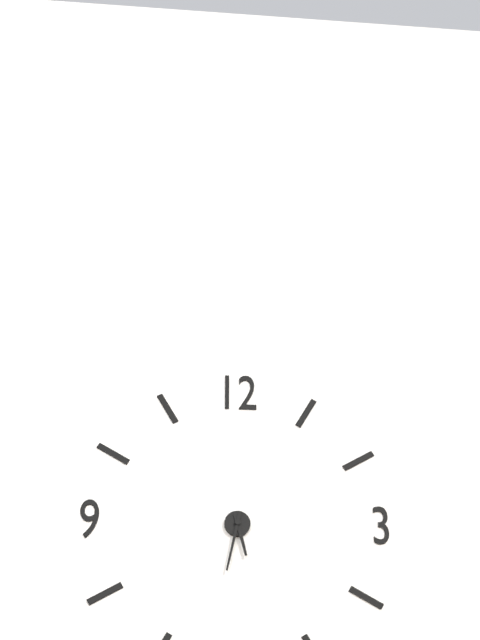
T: 5:32
